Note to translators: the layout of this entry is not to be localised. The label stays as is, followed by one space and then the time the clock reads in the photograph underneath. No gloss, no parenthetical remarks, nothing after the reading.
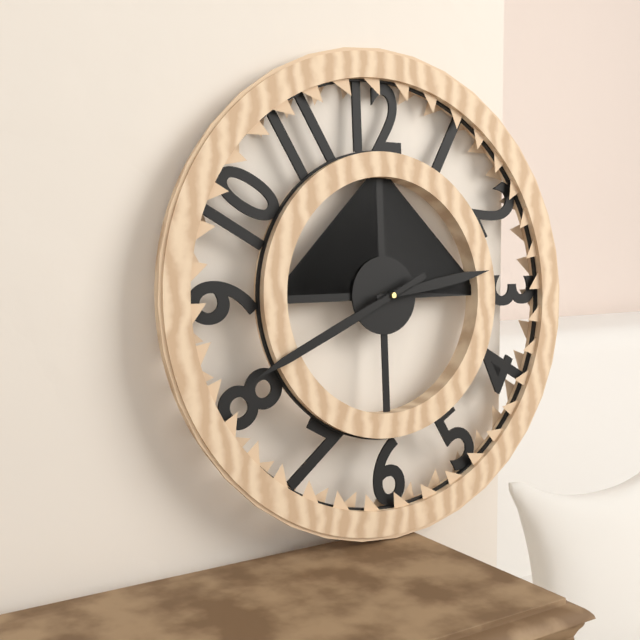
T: 2:41
